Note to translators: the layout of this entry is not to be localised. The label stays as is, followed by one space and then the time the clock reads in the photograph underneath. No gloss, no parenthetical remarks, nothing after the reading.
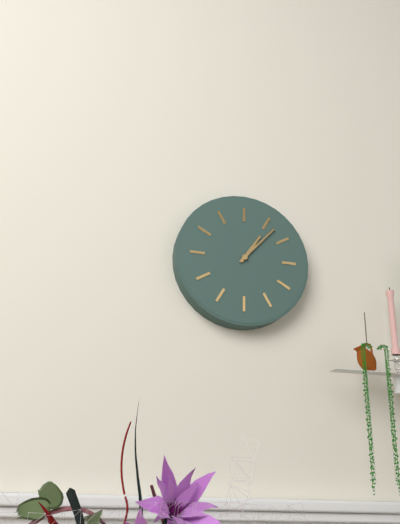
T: 1:07
